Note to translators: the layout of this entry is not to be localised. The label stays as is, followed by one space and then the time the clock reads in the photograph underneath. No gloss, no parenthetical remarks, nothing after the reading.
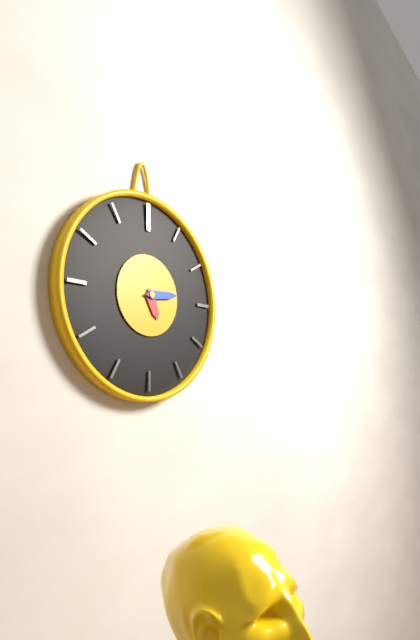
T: 5:14
